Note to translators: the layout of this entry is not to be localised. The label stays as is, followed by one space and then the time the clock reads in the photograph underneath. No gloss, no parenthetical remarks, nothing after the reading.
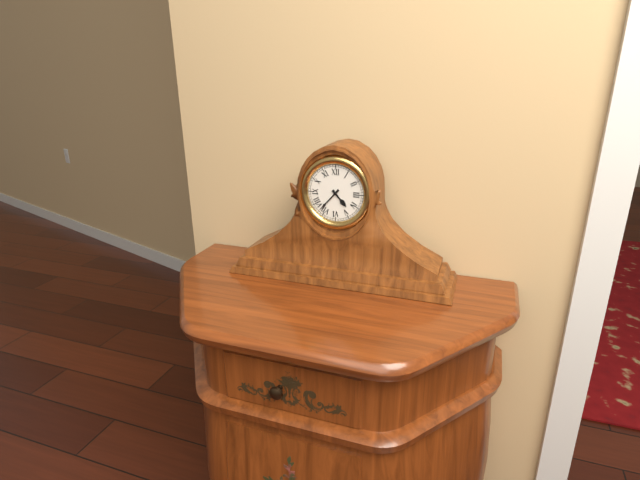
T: 4:37
